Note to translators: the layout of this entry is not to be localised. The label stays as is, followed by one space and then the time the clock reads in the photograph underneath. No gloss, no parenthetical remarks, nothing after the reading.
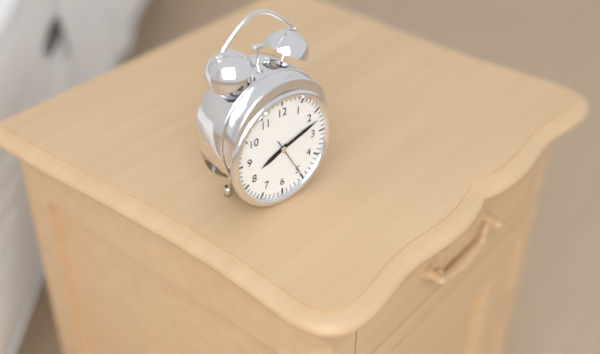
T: 8:12
